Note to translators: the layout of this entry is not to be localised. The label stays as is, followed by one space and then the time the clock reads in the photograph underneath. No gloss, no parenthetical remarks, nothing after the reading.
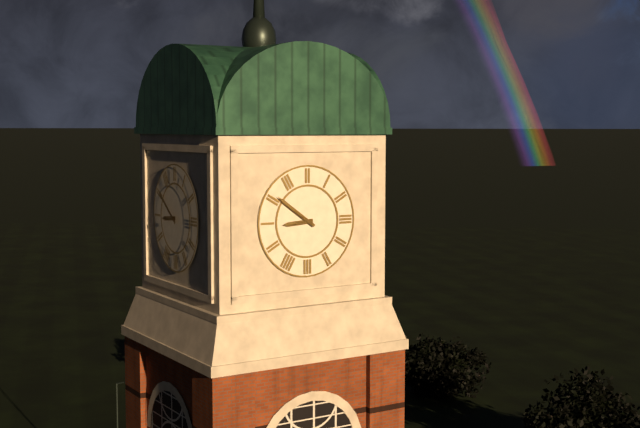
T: 8:51
